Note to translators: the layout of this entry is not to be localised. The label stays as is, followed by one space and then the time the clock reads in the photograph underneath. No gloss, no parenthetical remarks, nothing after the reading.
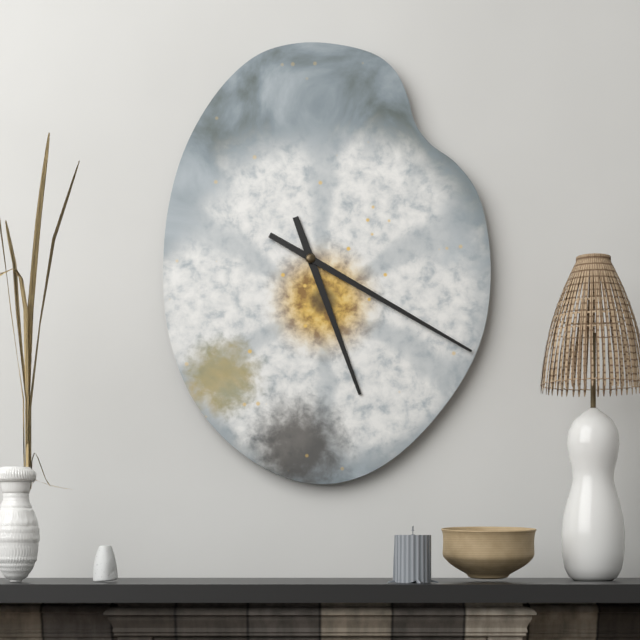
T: 5:20
